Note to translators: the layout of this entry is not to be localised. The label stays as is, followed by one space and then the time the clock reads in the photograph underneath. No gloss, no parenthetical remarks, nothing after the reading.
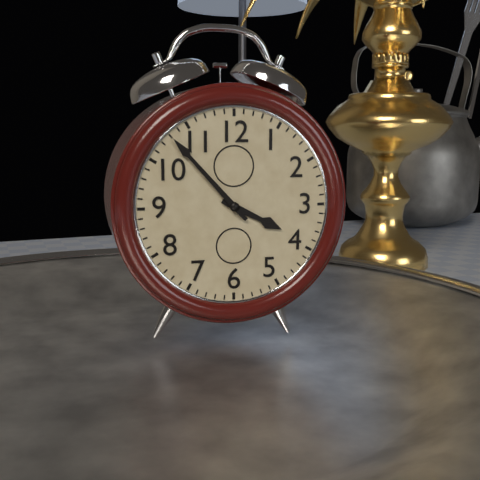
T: 3:53
